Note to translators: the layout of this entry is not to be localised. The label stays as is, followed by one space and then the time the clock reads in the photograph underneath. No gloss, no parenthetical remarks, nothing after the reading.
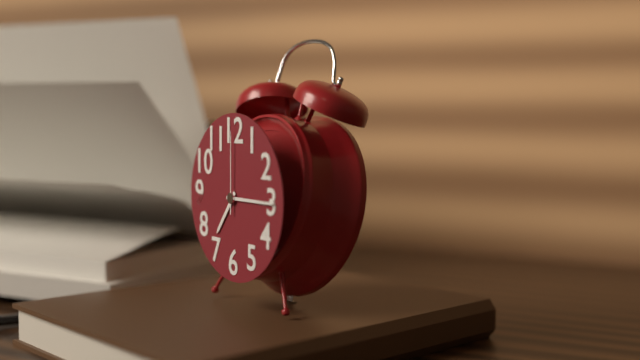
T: 7:15:00
